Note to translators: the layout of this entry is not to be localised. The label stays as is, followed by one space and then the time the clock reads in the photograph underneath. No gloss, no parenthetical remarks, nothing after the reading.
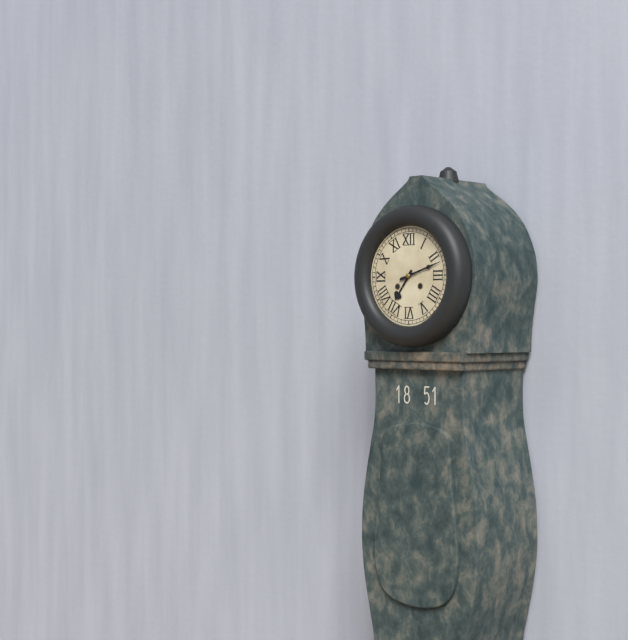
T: 7:12
